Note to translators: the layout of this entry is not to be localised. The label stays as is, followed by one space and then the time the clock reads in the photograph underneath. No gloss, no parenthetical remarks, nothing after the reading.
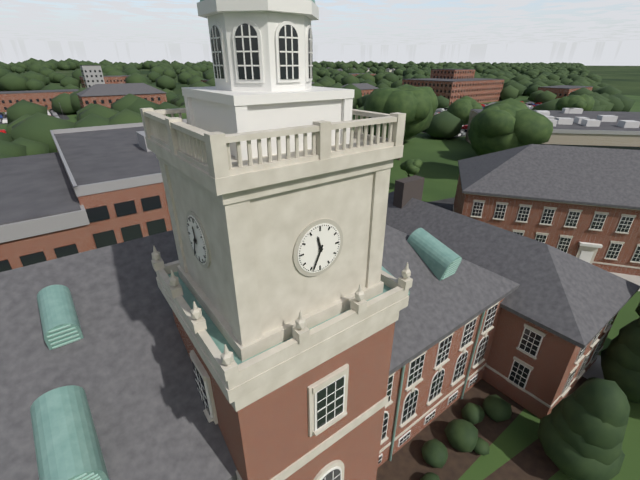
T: 11:34
